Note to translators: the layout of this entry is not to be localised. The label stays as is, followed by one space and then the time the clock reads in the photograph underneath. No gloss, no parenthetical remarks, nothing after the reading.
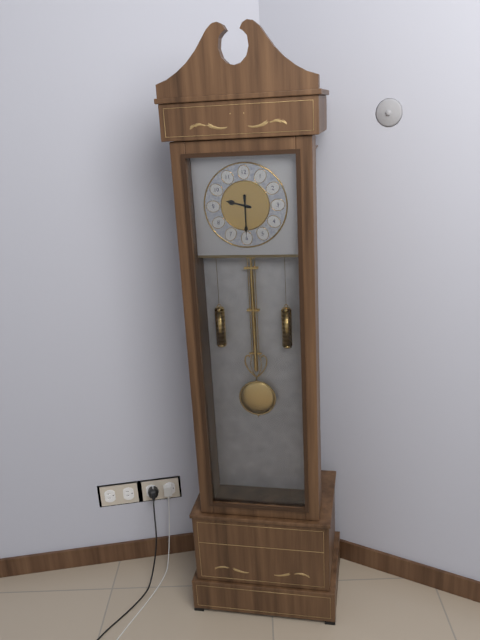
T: 9:30
